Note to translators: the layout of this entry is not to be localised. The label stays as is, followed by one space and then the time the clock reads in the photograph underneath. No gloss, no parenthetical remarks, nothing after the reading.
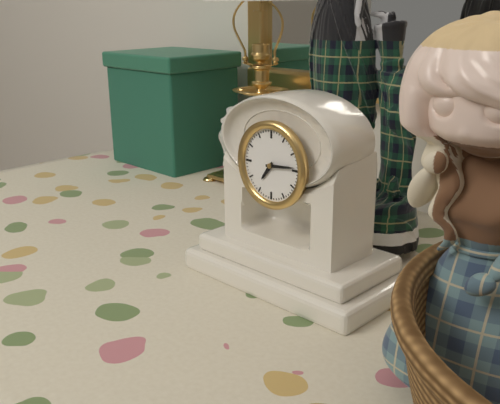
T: 7:14
